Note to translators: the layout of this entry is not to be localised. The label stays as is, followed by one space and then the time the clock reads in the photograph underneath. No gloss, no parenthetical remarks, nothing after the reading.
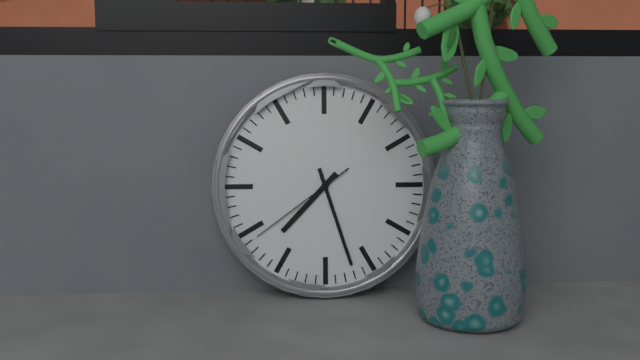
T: 7:27:39
